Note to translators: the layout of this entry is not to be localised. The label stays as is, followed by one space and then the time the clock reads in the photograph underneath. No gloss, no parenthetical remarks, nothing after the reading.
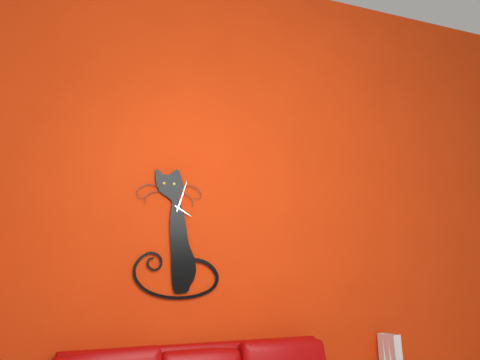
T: 4:03
